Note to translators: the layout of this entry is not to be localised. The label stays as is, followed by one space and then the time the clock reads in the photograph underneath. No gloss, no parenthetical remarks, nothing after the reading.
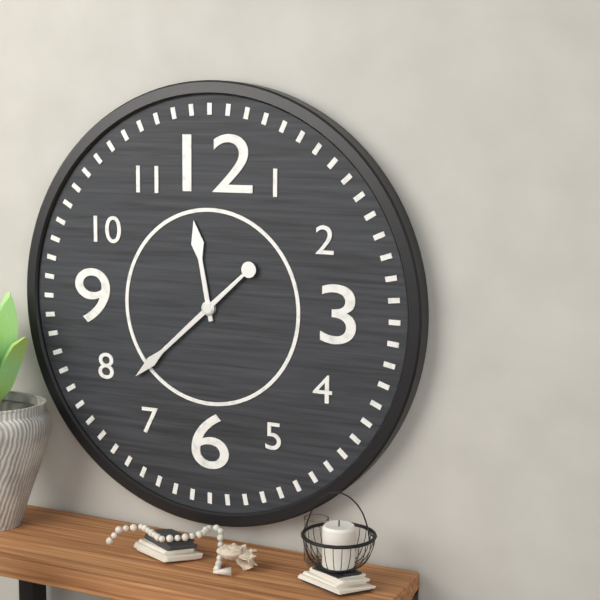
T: 11:38
